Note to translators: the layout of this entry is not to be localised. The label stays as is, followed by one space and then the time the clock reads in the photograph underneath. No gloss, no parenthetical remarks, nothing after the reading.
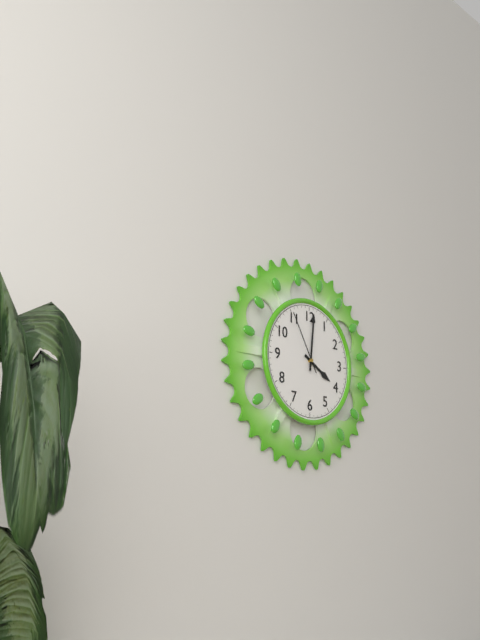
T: 4:01:55
